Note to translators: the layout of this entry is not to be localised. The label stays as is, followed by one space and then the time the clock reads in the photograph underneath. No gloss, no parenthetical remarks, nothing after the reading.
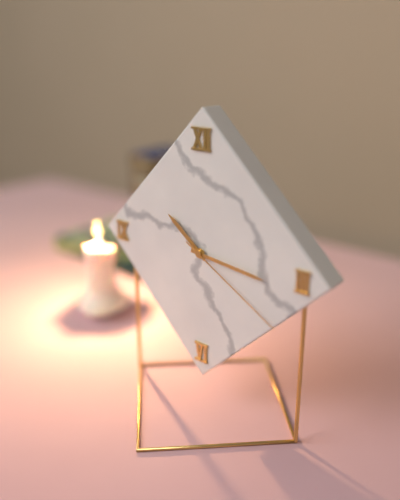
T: 10:16:20
